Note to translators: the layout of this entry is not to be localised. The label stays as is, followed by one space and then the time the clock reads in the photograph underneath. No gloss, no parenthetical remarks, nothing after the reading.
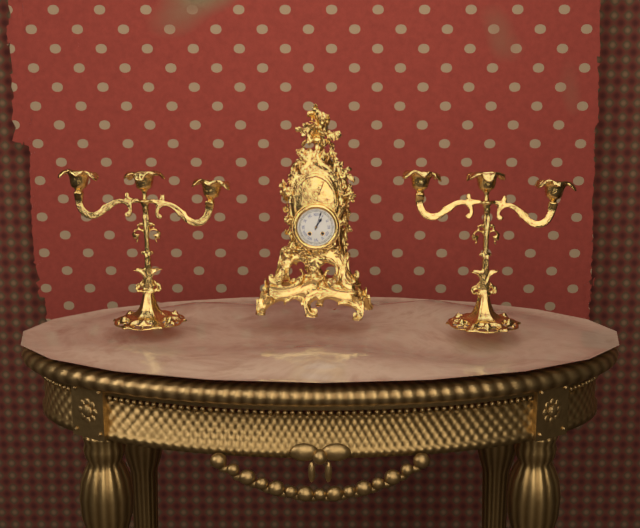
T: 1:03
